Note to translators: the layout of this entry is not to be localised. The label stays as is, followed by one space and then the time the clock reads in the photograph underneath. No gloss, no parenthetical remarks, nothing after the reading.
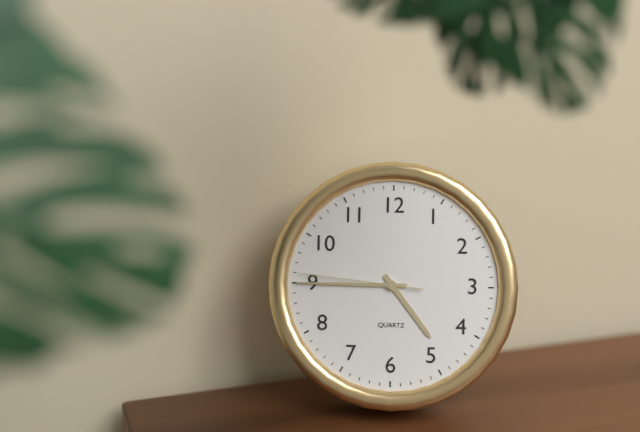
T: 4:45:46
